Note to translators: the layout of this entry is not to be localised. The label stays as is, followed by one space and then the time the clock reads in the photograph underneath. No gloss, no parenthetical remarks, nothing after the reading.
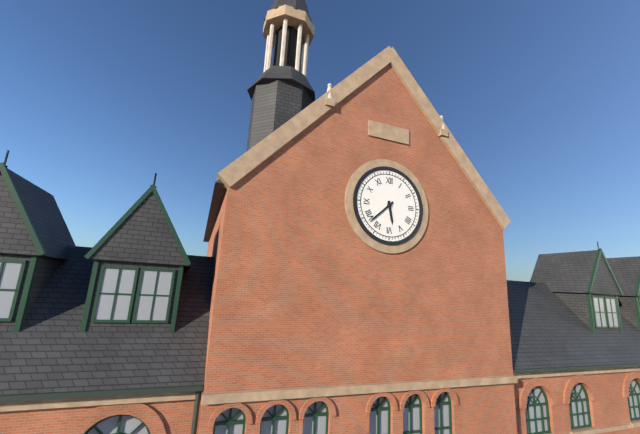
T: 5:38
